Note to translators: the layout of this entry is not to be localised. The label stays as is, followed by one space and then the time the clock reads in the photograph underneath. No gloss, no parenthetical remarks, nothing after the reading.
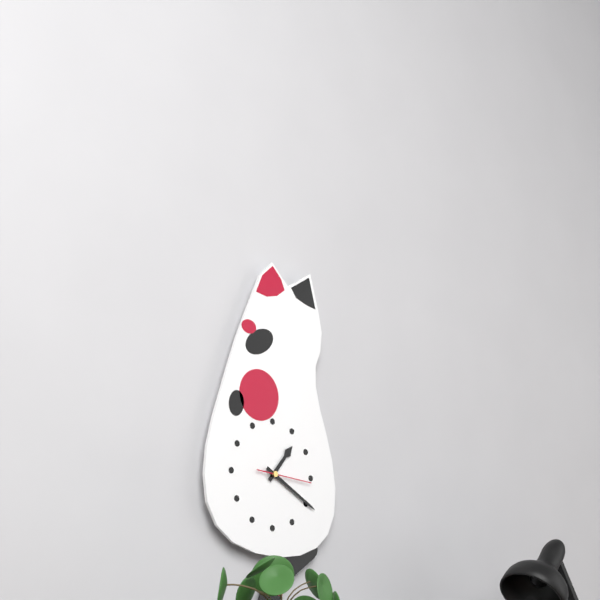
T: 1:20:16
